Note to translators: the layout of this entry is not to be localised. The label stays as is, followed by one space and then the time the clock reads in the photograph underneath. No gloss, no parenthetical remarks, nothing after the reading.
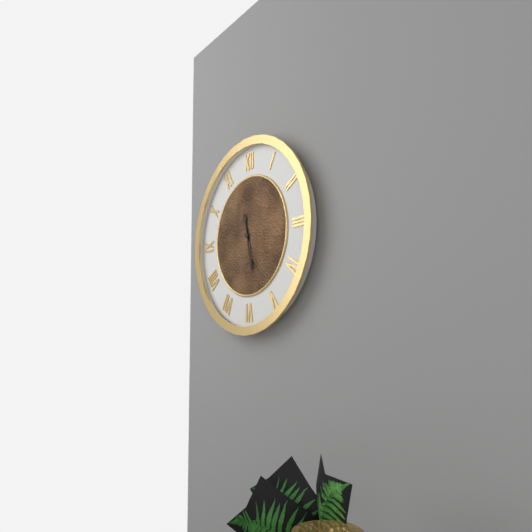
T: 11:28
